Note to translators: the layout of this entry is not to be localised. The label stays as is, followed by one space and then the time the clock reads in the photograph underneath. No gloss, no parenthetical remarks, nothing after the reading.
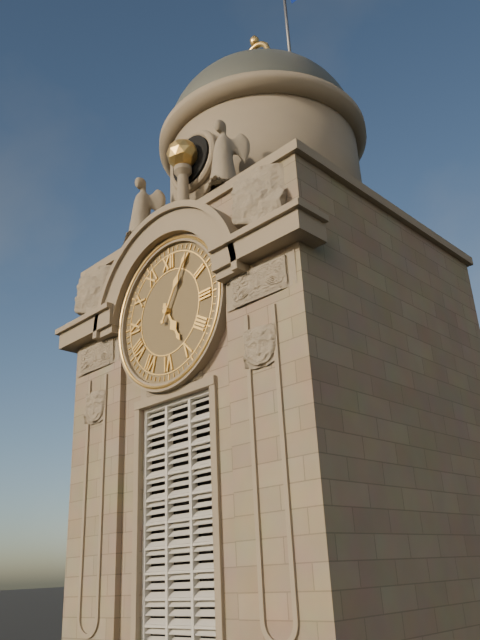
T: 5:05
